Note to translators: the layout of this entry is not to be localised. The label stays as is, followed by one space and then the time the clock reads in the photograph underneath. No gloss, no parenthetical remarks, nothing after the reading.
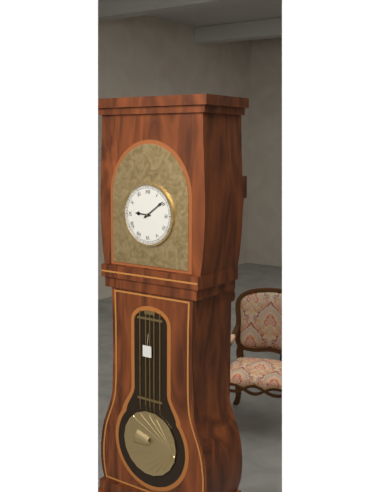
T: 9:09
